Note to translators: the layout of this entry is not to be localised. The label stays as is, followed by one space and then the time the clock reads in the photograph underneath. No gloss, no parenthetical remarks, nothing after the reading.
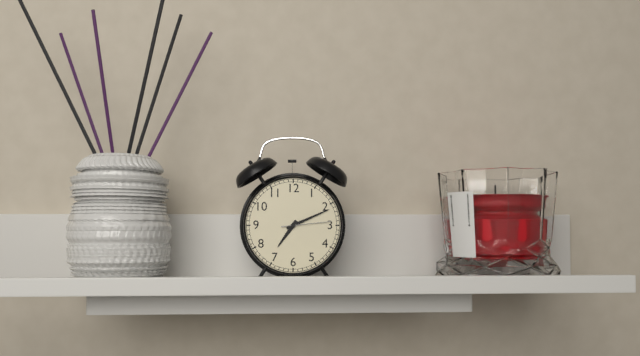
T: 7:11
